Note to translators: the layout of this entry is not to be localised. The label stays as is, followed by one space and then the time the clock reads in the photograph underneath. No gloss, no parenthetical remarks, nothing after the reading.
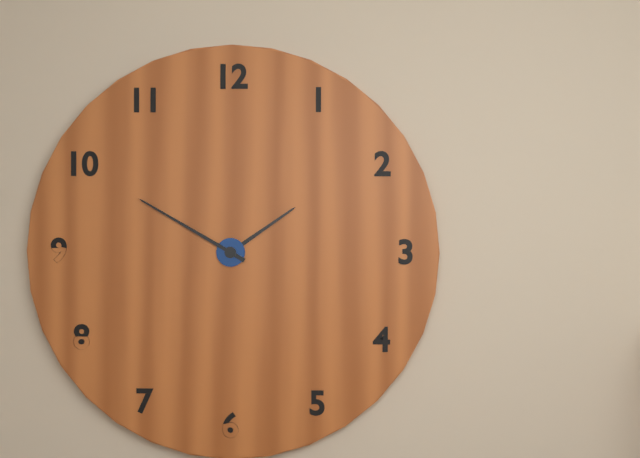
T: 1:50
